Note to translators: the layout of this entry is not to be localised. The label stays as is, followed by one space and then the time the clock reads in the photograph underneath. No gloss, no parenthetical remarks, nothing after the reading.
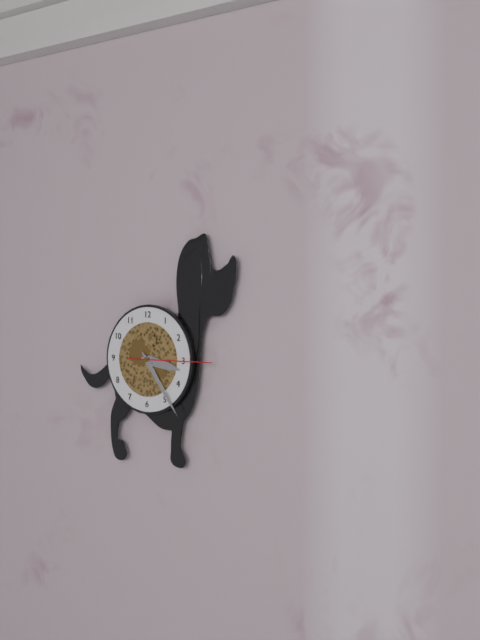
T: 3:24:15
